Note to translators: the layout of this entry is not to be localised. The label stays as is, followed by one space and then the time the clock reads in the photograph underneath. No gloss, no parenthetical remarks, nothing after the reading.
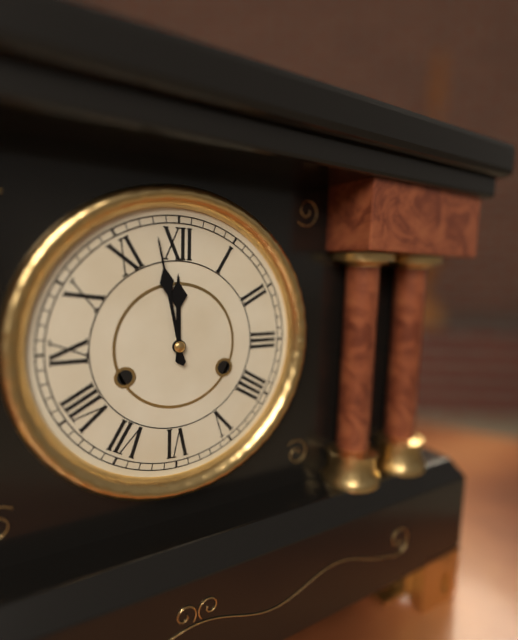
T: 11:58
